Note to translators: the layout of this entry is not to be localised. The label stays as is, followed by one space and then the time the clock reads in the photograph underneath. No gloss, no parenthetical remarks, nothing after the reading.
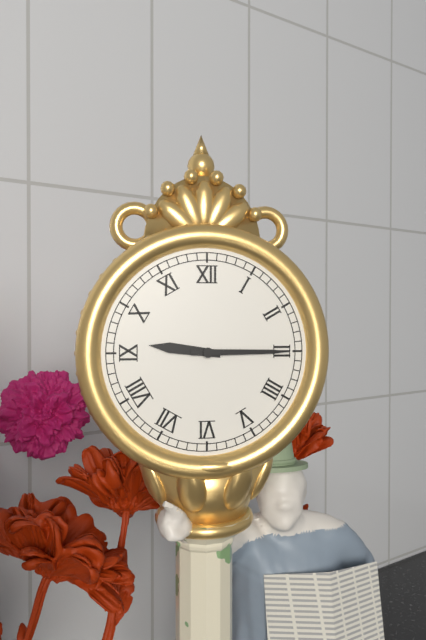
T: 9:15
